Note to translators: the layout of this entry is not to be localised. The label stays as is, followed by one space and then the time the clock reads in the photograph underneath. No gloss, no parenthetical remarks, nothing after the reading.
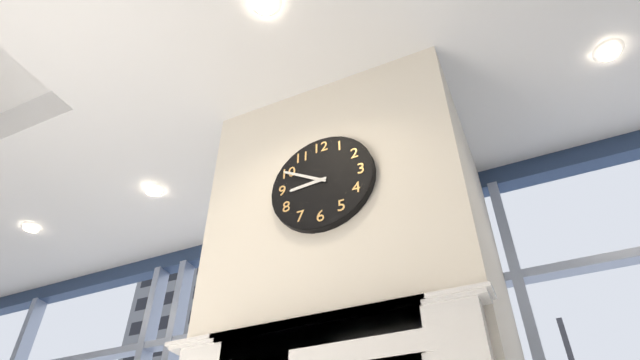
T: 8:50
